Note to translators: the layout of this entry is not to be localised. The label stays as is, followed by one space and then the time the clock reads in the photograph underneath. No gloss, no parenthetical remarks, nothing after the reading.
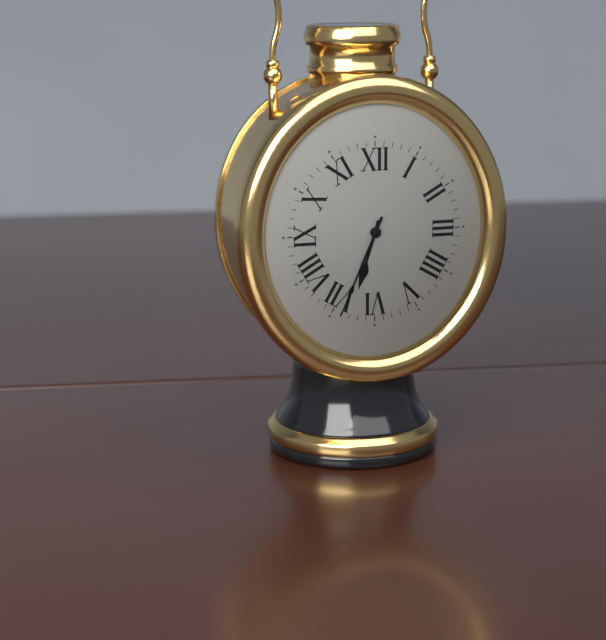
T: 6:34
